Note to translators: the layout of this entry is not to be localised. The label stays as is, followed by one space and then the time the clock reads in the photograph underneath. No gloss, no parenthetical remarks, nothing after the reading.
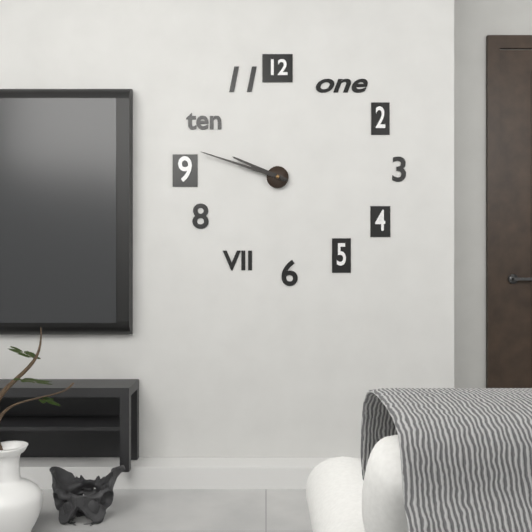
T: 9:48
